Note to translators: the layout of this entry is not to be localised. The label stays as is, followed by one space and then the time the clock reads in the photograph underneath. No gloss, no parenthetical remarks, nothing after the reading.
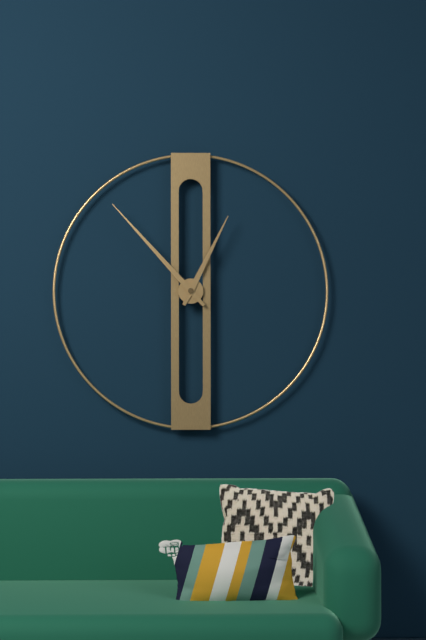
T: 12:53
